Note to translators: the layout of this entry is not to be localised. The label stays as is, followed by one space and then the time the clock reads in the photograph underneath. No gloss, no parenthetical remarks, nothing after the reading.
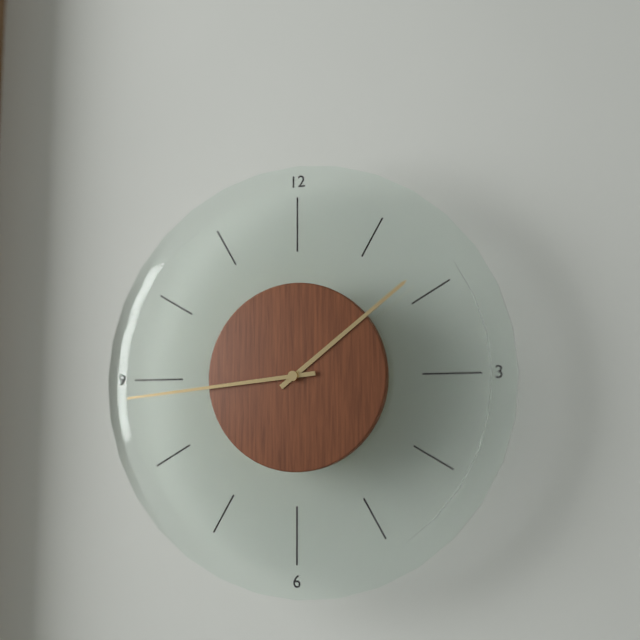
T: 1:44
